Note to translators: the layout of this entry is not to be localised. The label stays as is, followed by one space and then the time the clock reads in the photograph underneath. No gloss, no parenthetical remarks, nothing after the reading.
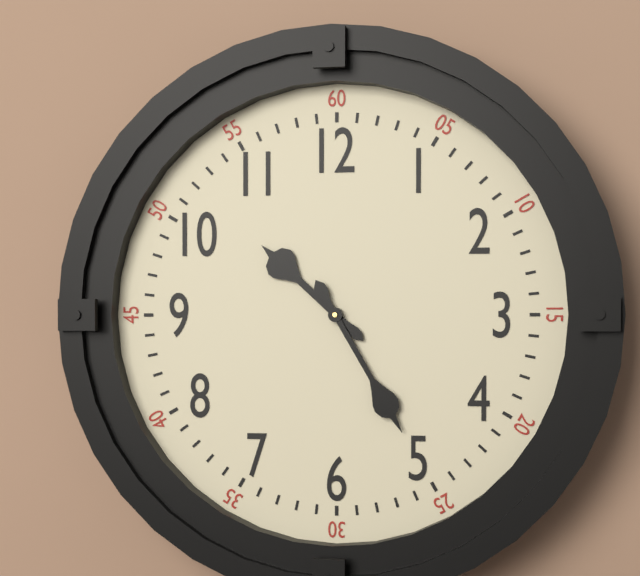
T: 10:25
